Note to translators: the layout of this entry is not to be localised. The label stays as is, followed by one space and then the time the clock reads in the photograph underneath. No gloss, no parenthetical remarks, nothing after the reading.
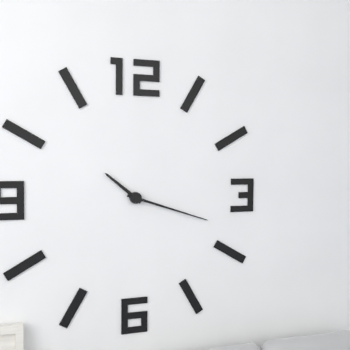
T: 10:18
